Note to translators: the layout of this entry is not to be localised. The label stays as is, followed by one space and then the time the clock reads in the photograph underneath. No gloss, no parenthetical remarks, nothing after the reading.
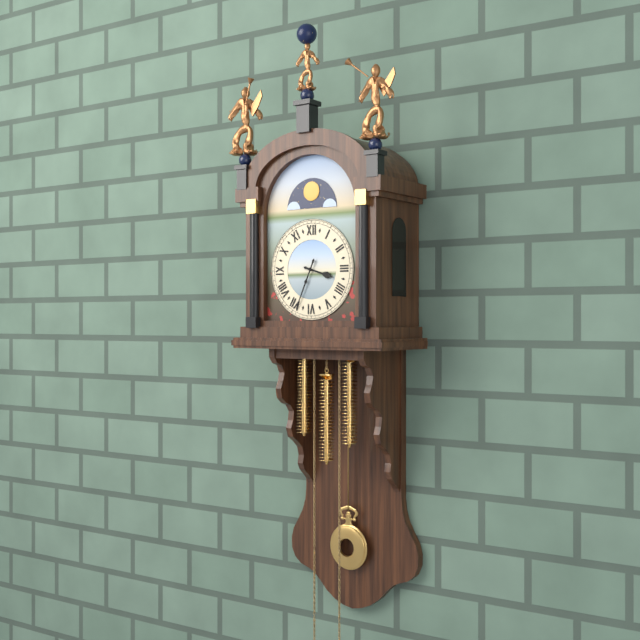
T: 3:34
